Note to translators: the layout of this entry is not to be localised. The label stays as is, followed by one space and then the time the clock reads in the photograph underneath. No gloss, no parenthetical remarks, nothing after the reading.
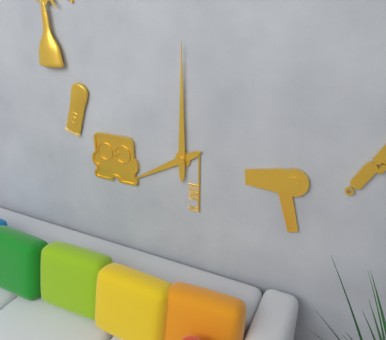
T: 8:00
